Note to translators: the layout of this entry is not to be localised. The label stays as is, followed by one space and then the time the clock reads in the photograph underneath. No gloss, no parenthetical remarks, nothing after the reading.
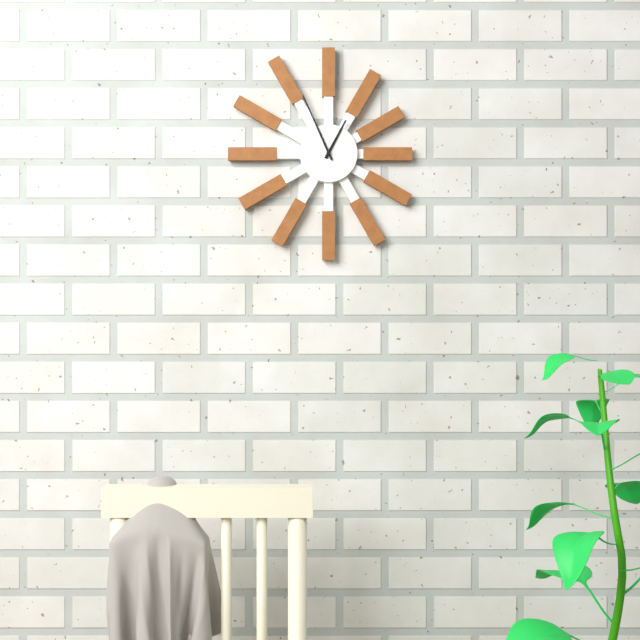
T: 12:56
